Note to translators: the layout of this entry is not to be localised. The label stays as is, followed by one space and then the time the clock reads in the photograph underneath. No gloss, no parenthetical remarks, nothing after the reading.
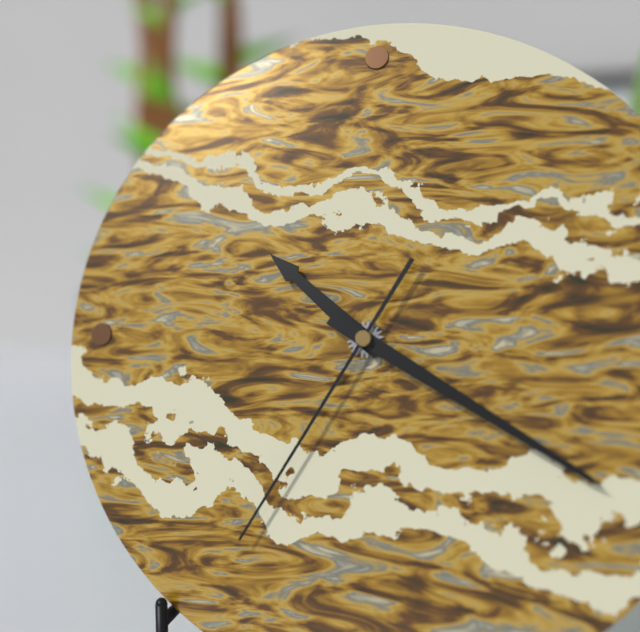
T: 10:20:35
